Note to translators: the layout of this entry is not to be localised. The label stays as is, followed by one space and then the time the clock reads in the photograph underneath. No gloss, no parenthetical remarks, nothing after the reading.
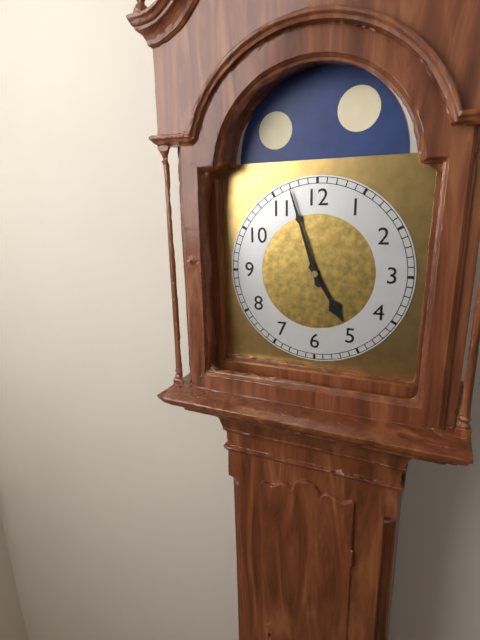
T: 4:57
